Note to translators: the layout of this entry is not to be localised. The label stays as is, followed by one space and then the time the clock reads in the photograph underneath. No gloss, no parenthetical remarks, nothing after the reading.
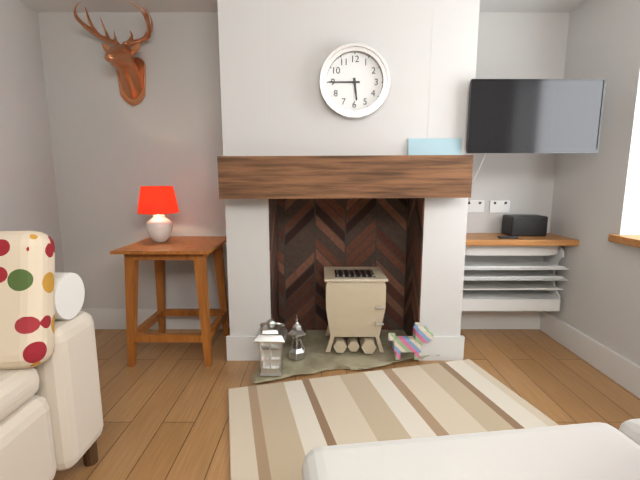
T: 5:45
